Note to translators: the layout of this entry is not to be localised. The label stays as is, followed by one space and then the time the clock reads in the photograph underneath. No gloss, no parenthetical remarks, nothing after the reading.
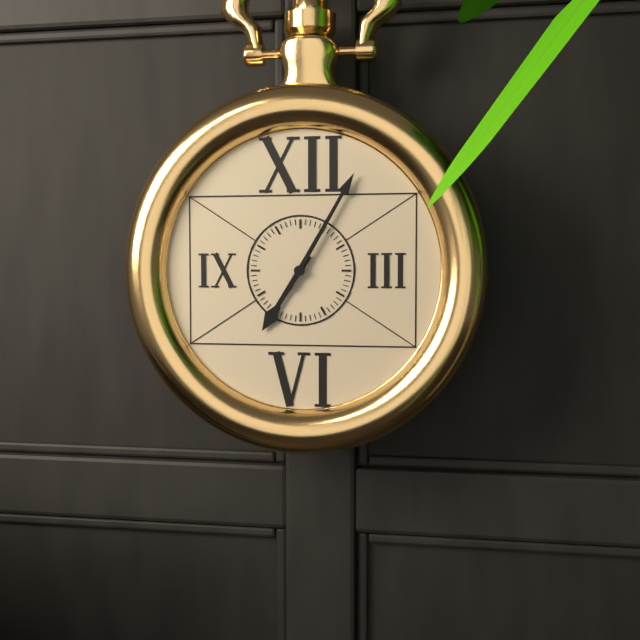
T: 7:05
